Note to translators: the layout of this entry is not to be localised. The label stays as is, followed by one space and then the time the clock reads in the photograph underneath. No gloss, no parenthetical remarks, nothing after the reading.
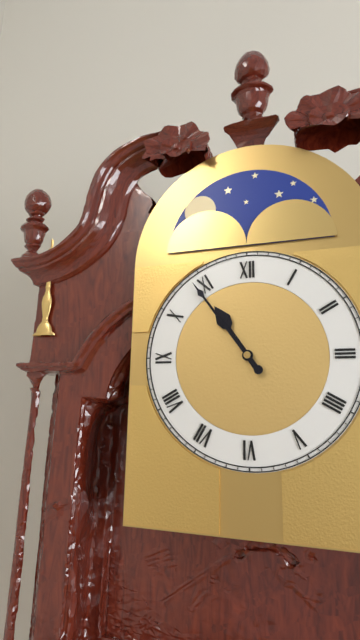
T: 10:54
